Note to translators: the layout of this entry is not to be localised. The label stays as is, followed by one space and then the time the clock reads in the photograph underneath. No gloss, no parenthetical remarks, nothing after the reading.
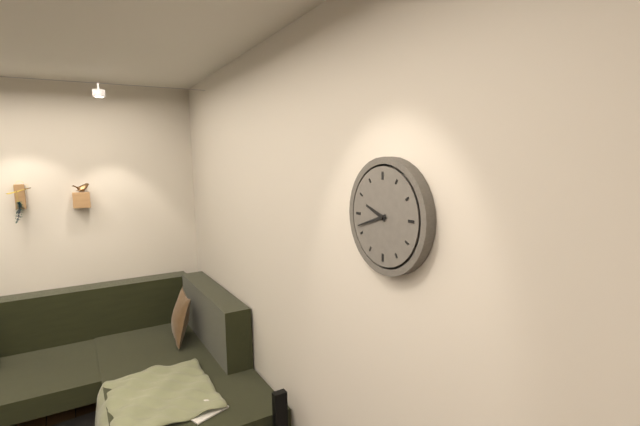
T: 9:42
